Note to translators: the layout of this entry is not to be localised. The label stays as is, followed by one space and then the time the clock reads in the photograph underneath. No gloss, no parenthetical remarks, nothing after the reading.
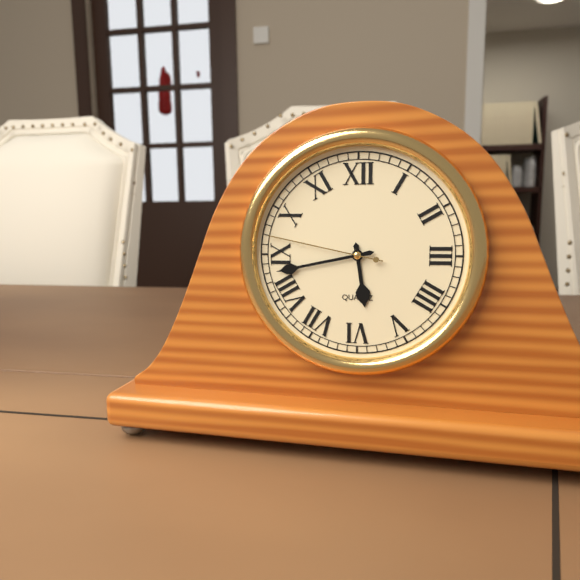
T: 5:43:47
